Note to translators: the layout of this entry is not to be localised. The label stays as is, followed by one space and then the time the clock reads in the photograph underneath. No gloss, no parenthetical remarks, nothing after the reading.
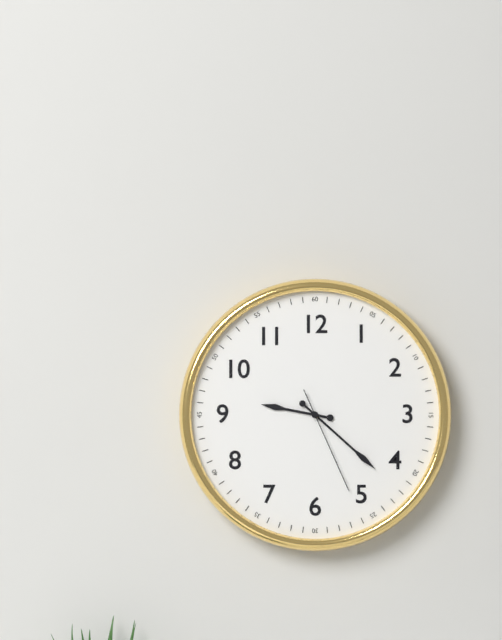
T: 9:22:26
